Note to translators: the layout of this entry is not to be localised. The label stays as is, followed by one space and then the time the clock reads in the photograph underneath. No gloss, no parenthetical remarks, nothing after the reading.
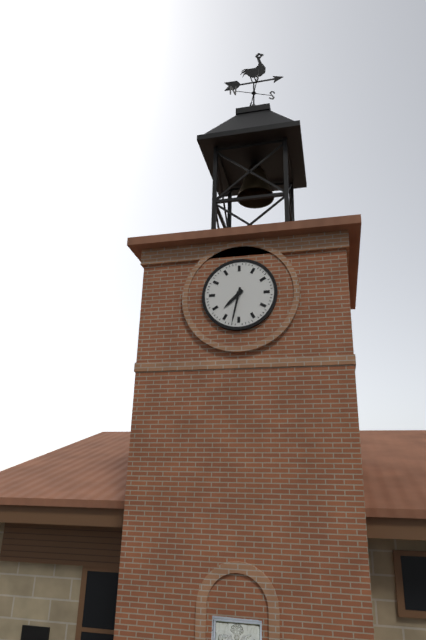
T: 7:32
